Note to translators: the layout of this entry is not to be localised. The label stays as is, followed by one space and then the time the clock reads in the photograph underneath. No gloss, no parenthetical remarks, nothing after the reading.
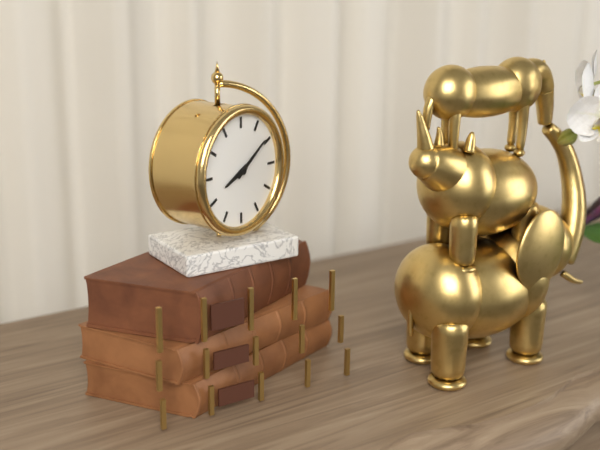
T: 8:09
